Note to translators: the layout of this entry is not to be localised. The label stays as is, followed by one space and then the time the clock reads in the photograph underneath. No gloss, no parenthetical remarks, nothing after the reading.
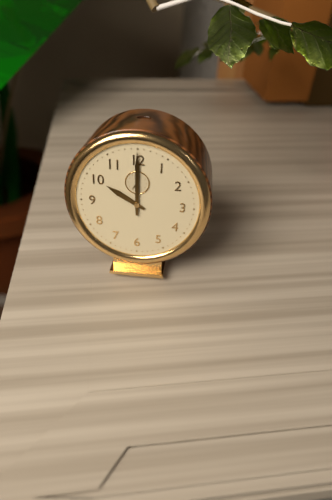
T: 10:00
